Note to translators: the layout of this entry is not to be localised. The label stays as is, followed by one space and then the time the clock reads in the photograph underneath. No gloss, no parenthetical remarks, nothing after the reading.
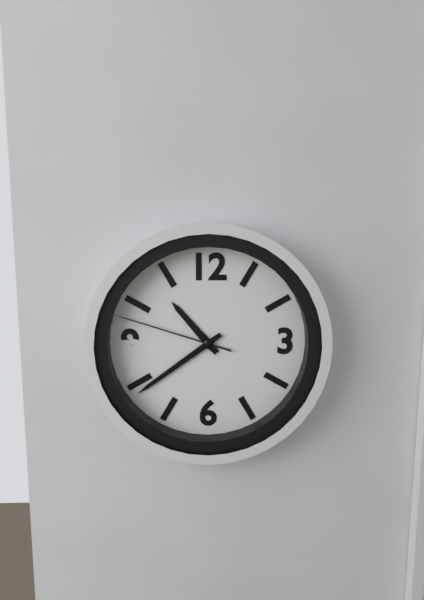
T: 10:39:48
